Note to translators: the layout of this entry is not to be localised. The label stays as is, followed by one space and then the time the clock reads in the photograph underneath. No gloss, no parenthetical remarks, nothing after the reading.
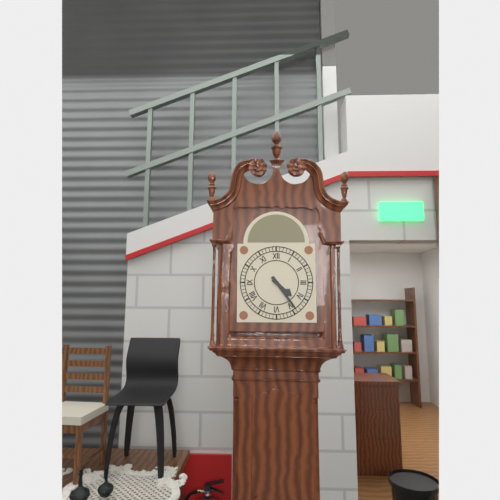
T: 4:24
